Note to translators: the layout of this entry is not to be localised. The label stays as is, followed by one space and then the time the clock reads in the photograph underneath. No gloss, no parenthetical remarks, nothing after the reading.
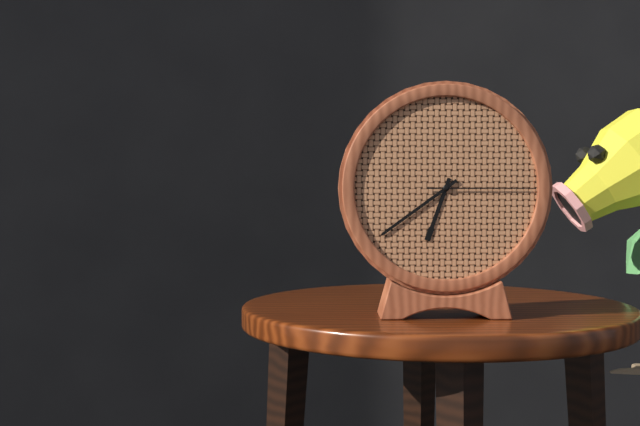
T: 6:39:15
